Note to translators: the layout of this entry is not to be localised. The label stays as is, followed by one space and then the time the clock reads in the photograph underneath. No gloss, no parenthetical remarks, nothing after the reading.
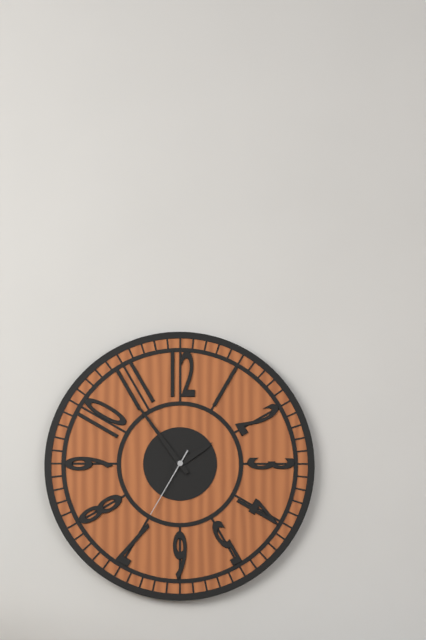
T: 1:54:35
